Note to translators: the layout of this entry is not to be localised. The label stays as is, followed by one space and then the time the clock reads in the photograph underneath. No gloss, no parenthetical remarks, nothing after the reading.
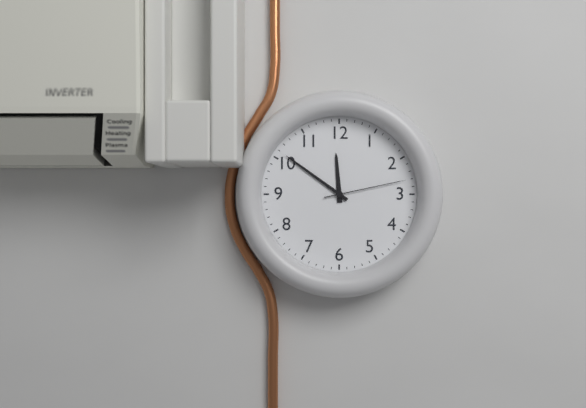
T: 11:51:13
